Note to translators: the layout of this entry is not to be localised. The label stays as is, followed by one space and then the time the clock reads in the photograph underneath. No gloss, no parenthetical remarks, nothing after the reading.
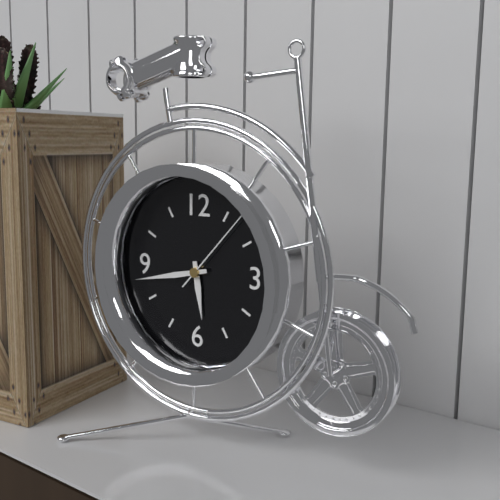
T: 5:43:07
